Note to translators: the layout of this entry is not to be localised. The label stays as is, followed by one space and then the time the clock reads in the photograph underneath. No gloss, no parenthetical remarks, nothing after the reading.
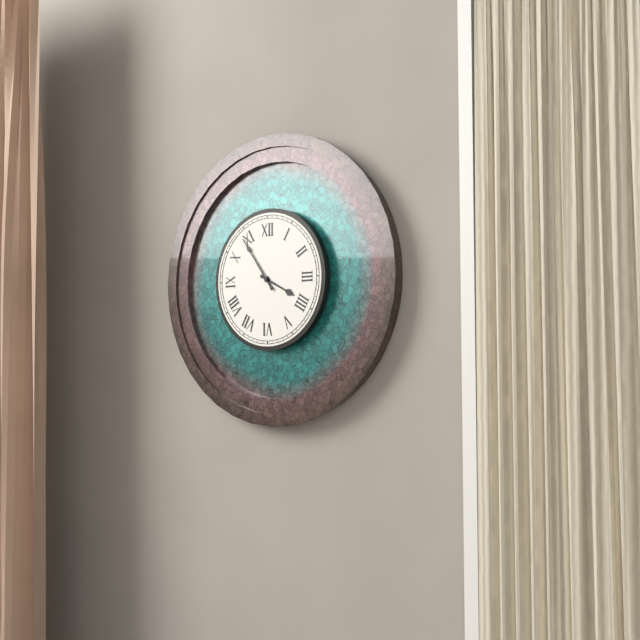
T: 3:54
